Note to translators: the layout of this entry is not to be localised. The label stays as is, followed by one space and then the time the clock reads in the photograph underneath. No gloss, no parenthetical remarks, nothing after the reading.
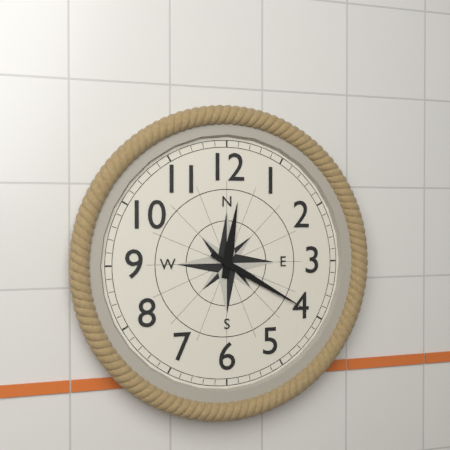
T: 12:20
